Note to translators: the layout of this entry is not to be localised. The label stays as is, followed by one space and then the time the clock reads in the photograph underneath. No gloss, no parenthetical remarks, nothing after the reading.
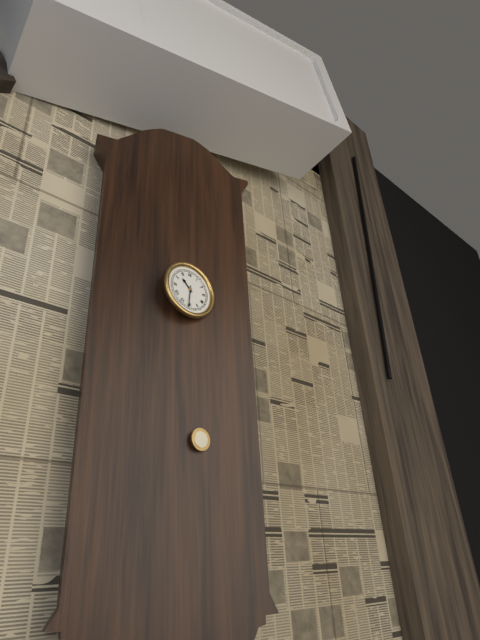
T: 10:31
